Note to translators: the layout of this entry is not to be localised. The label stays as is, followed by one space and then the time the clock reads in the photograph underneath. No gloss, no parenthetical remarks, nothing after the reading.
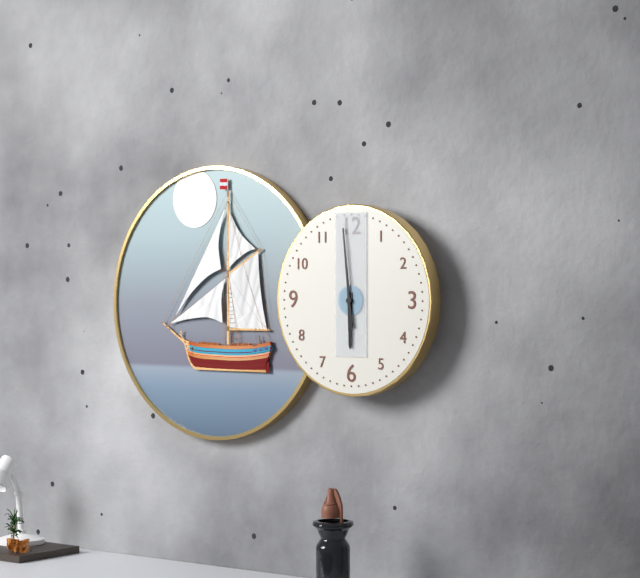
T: 5:59
